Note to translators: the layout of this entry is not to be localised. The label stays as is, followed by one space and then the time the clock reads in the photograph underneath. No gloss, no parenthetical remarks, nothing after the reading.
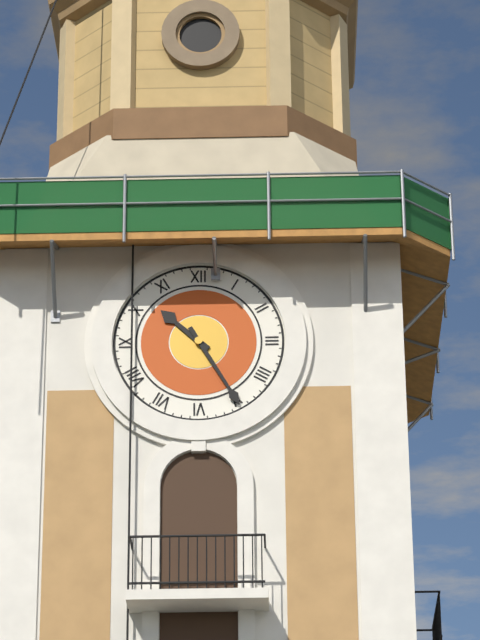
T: 10:25
